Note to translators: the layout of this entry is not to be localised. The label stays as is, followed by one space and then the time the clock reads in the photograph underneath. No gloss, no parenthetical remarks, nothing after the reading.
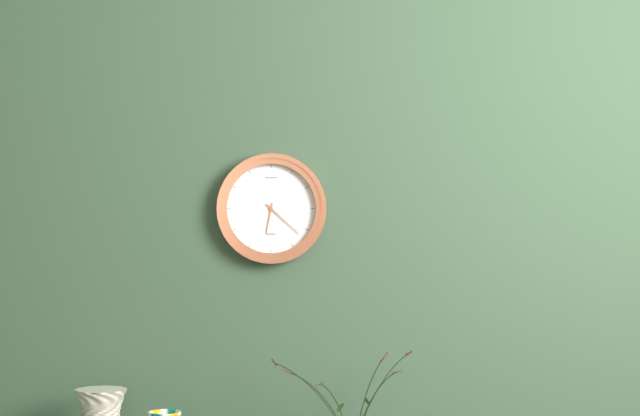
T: 6:22
